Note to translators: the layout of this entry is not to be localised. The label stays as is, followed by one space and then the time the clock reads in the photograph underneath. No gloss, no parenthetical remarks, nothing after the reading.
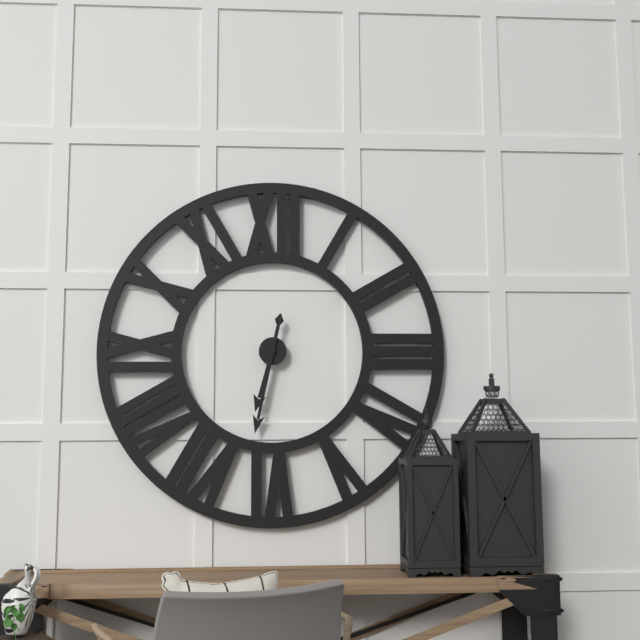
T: 6:32
